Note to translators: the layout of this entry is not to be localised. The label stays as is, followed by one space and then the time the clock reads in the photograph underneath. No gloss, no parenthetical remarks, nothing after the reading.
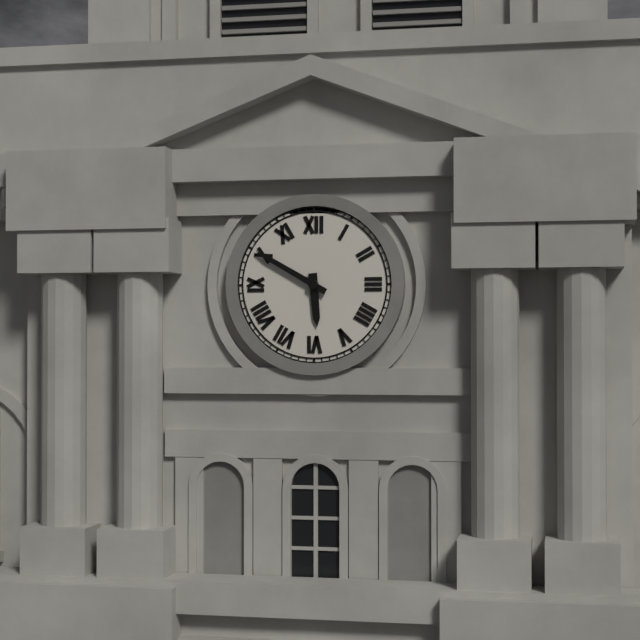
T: 5:50
